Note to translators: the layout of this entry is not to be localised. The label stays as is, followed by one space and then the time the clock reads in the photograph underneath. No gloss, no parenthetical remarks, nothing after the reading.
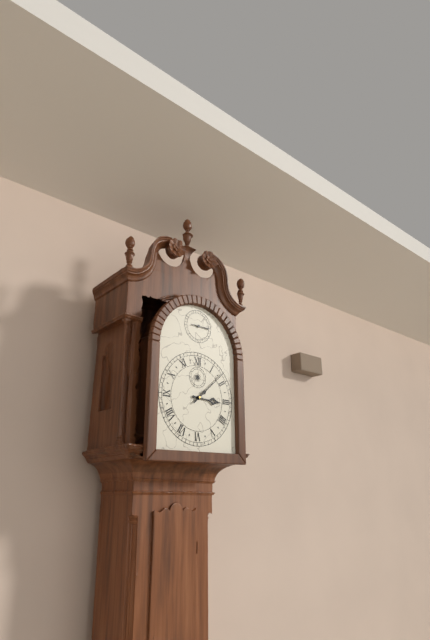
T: 3:08
